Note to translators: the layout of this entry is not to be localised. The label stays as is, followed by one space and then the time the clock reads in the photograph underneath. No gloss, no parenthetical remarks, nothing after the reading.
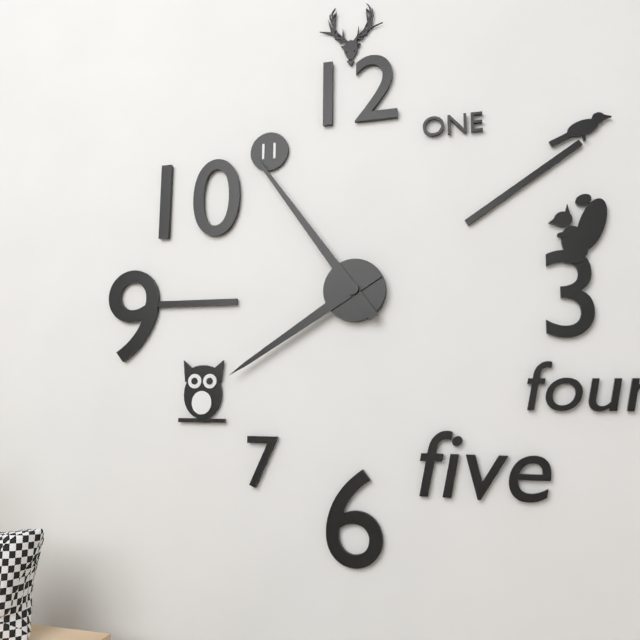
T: 7:54
